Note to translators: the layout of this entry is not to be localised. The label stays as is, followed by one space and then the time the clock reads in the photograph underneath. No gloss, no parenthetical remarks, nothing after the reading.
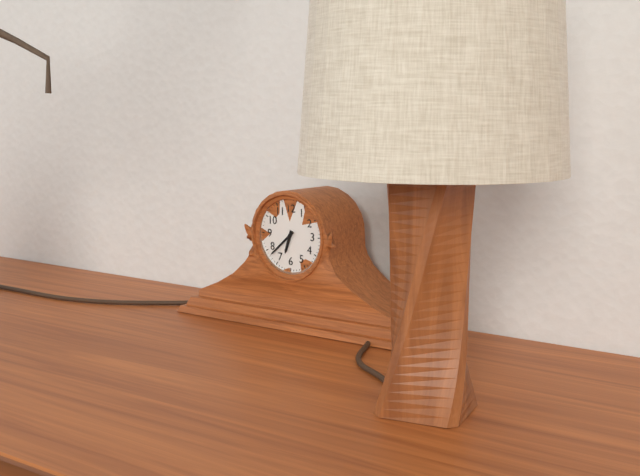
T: 6:38
